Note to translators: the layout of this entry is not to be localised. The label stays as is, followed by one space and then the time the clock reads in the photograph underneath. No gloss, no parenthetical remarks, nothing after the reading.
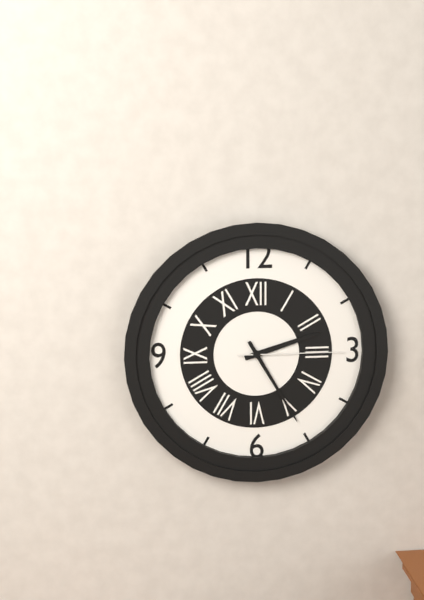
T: 2:25:15
